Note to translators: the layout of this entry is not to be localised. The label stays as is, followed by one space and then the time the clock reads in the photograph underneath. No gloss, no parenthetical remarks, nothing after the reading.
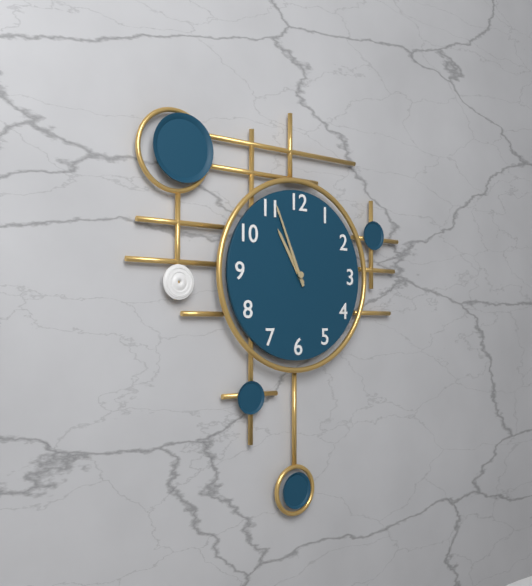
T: 10:56
